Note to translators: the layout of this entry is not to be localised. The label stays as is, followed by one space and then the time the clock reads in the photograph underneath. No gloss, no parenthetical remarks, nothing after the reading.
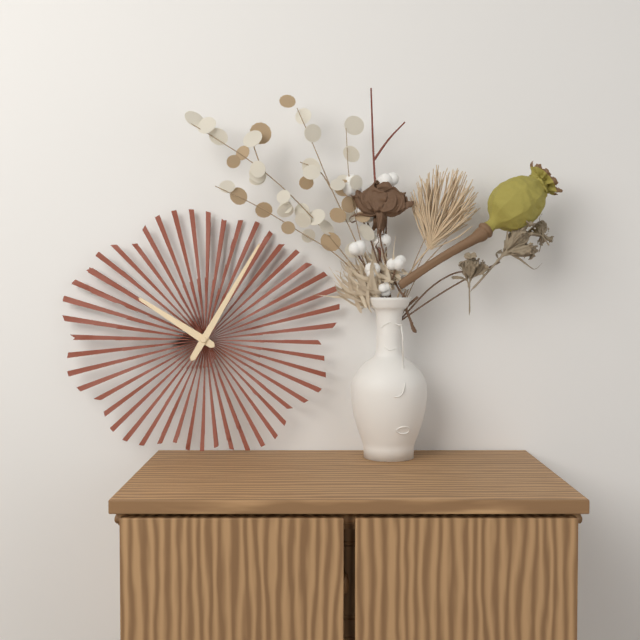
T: 10:05
